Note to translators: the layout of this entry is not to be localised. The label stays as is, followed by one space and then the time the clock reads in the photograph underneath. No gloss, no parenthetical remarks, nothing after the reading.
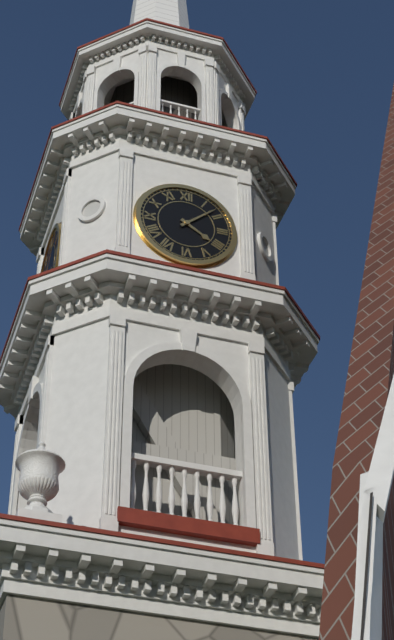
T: 4:08
